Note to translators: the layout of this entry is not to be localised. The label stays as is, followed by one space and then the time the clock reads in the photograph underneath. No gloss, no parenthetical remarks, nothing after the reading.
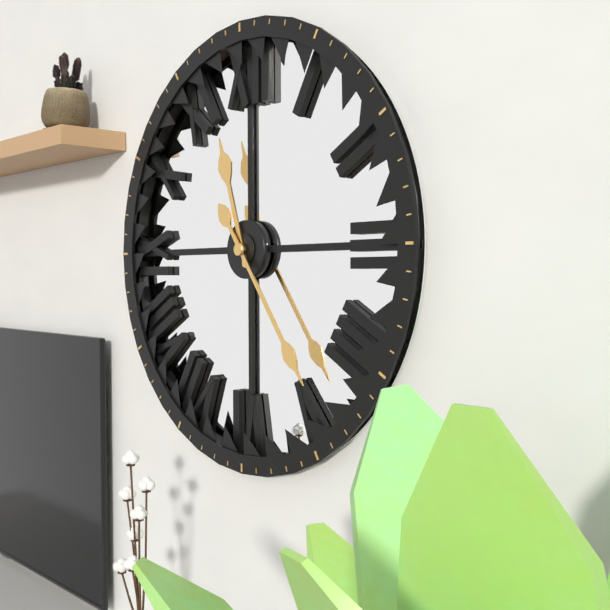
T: 11:24
